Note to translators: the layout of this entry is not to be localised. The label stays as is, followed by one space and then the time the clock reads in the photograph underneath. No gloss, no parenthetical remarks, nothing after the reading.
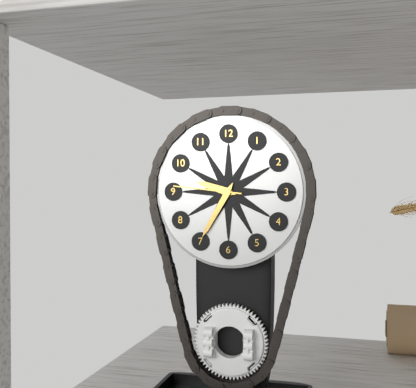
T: 9:35:46
